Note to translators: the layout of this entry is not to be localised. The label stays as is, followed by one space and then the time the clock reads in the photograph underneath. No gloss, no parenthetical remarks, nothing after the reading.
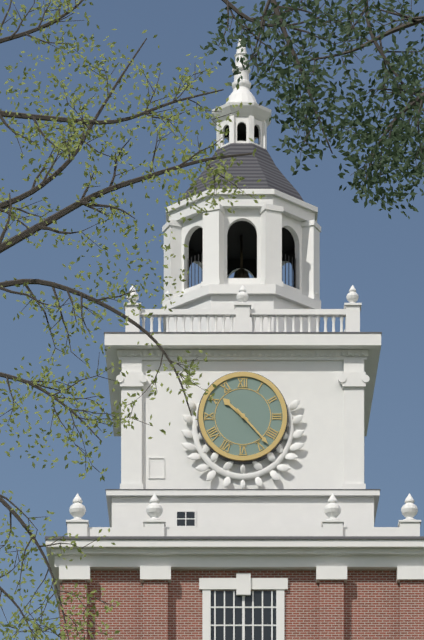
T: 10:23
